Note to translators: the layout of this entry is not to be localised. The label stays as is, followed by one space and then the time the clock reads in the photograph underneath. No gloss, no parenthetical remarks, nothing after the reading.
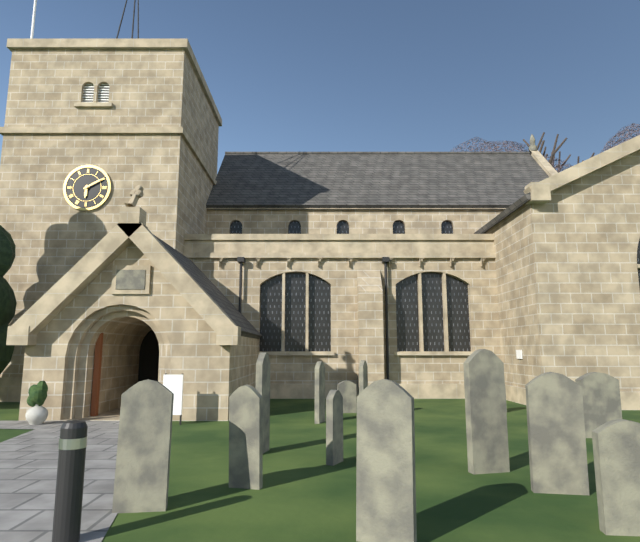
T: 6:10
